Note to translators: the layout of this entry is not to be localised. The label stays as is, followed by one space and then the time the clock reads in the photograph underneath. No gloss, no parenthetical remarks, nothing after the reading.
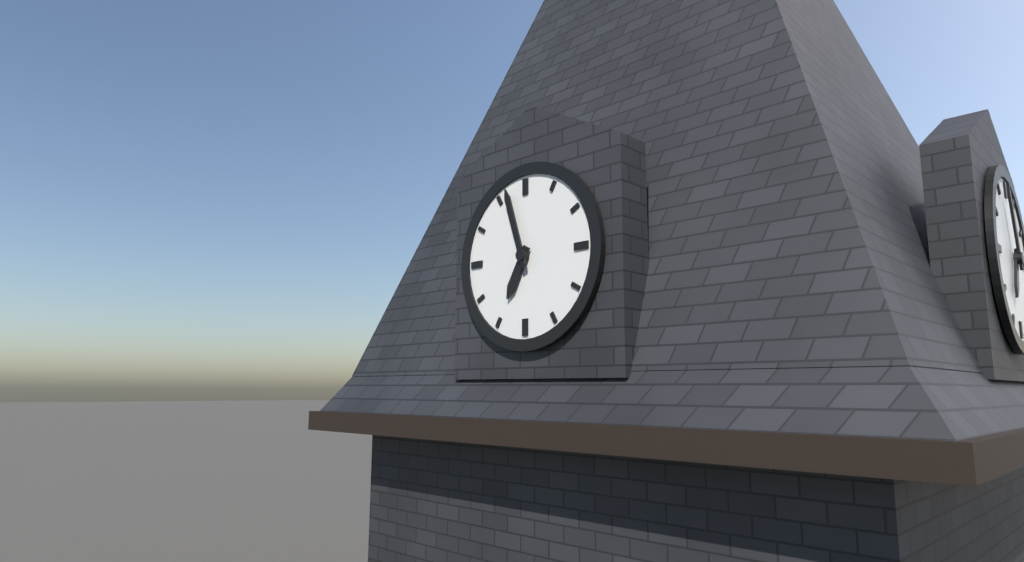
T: 6:57
